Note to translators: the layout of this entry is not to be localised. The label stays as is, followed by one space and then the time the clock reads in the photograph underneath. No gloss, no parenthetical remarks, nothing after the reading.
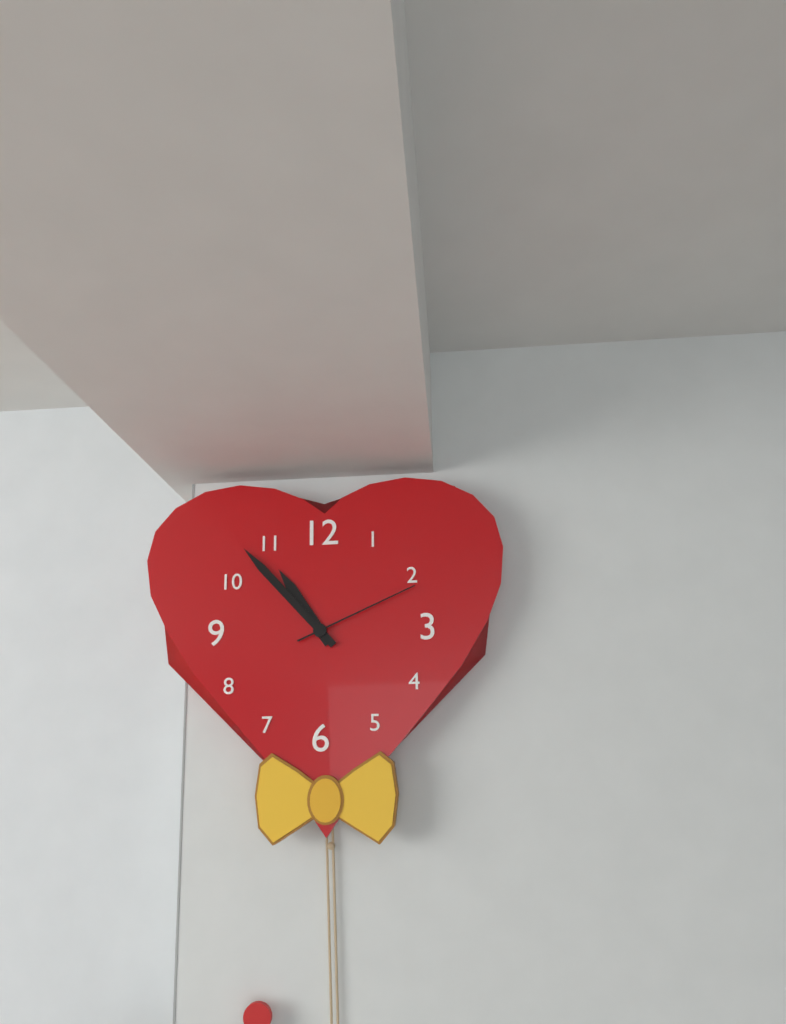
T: 10:53:11
